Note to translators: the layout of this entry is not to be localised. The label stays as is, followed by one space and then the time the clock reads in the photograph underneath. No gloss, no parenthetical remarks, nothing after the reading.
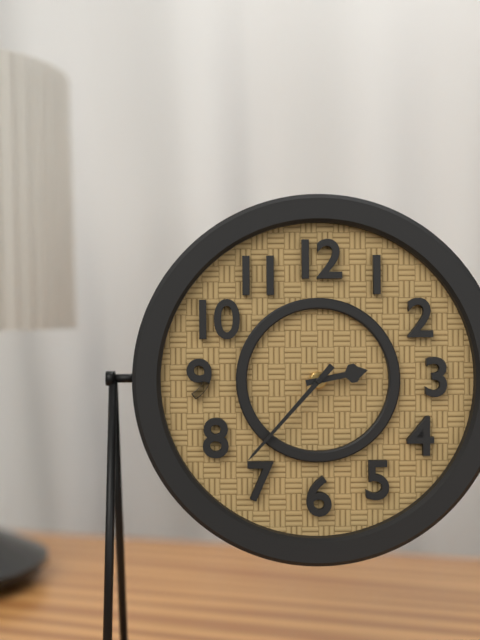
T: 2:37
